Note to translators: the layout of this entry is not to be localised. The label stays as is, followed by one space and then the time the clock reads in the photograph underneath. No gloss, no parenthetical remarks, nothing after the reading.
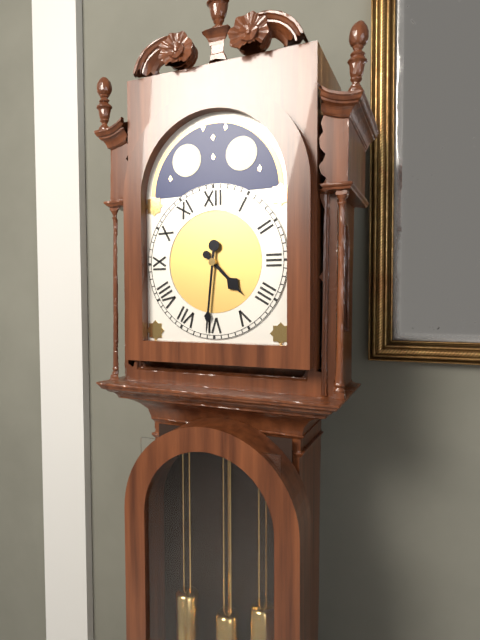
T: 4:31
